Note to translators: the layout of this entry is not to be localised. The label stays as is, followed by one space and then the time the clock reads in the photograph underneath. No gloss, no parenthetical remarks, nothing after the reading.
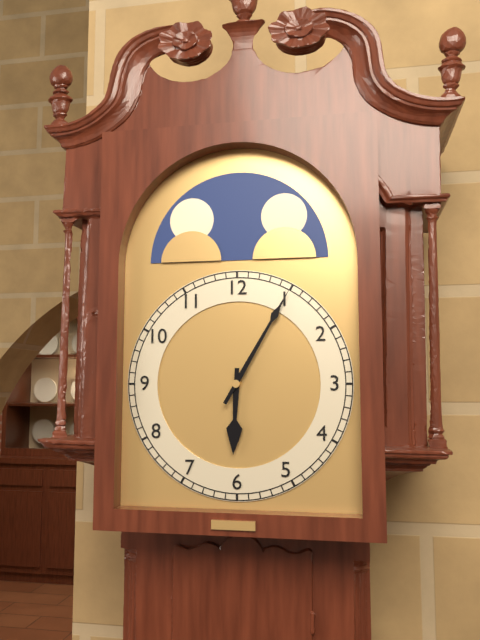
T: 6:05
